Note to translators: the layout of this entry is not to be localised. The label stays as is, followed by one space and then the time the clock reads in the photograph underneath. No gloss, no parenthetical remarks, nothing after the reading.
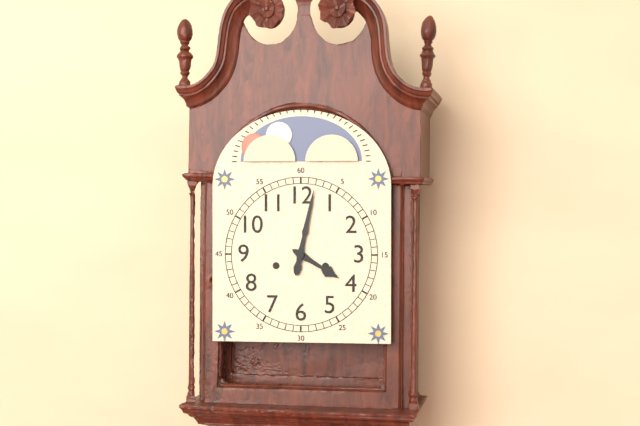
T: 4:02
